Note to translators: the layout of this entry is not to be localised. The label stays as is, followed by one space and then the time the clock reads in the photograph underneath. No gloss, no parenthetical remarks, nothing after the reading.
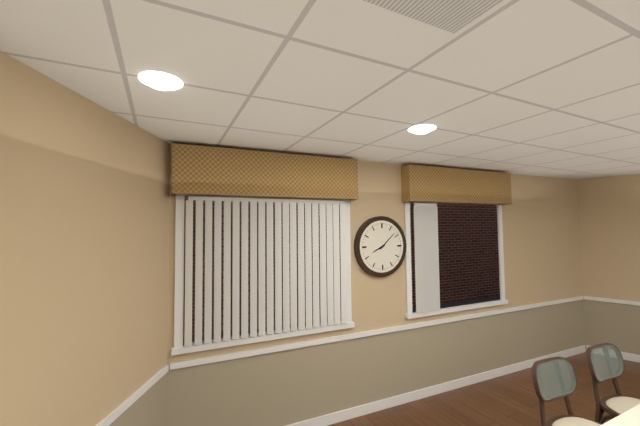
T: 8:08
